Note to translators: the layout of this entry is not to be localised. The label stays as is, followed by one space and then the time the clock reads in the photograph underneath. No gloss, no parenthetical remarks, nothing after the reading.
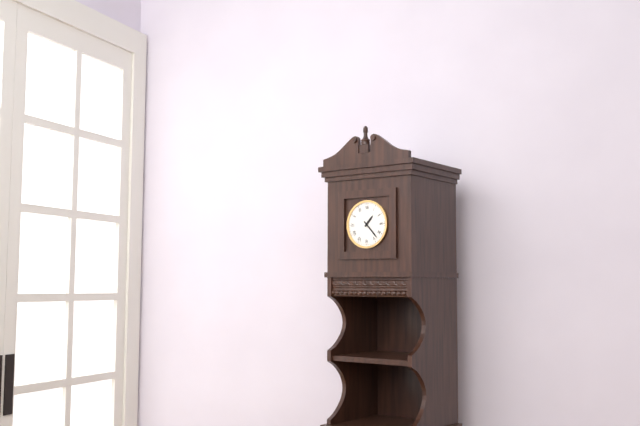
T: 1:23
